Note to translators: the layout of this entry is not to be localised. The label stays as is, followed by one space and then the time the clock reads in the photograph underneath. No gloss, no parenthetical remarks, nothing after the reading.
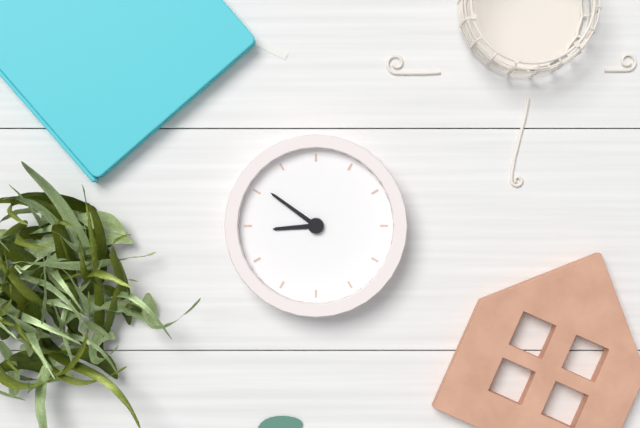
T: 8:51
